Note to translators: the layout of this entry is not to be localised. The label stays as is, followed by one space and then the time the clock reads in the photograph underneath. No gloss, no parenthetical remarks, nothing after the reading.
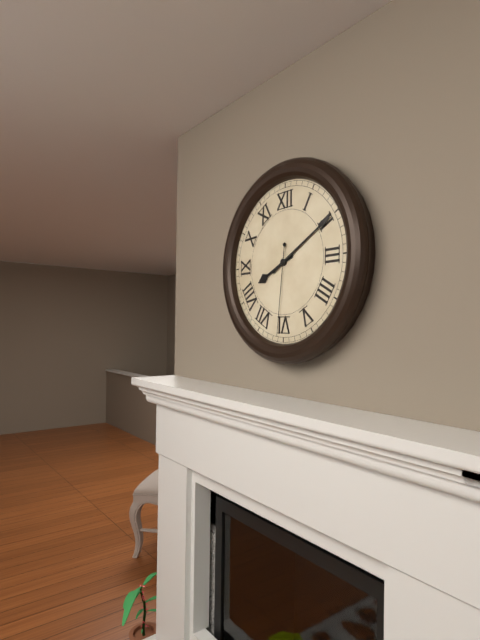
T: 8:10:31
